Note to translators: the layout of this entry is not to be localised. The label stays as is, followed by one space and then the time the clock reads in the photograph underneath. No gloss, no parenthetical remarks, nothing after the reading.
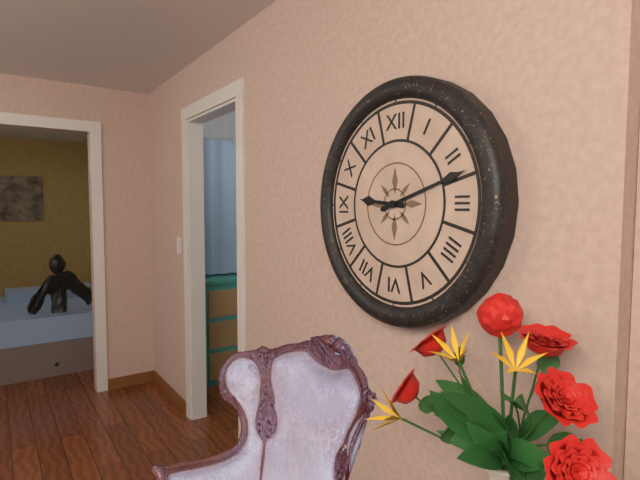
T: 9:12
